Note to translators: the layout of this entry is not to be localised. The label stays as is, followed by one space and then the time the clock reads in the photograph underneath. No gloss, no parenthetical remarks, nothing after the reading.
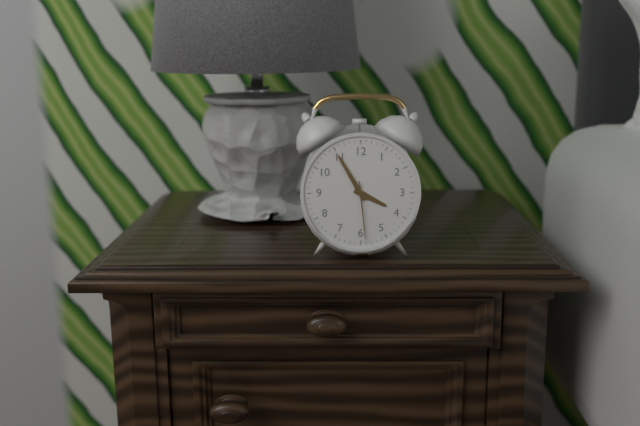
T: 3:55:29
